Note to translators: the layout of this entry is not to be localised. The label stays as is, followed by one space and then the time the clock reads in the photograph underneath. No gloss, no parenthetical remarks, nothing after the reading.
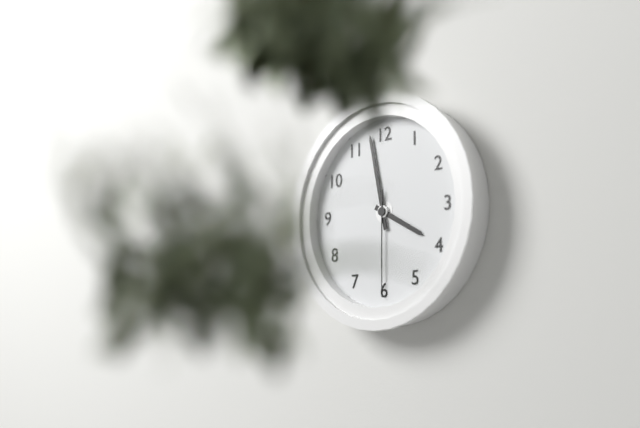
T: 3:58:30
